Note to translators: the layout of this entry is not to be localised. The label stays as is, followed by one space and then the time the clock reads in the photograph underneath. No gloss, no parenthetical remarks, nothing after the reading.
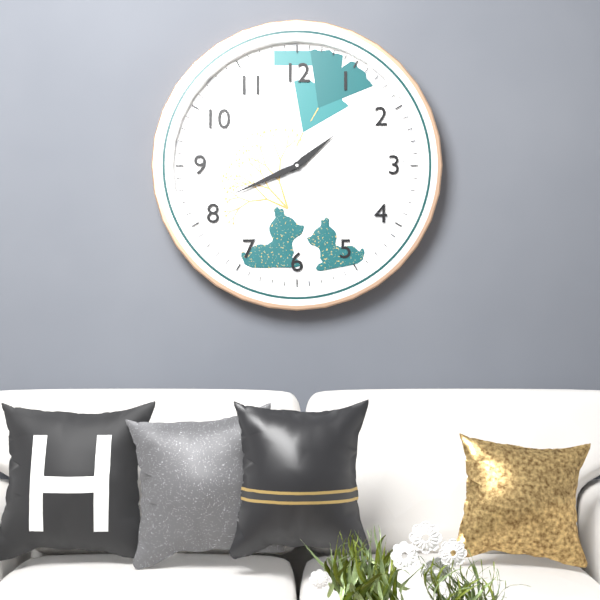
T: 1:41
